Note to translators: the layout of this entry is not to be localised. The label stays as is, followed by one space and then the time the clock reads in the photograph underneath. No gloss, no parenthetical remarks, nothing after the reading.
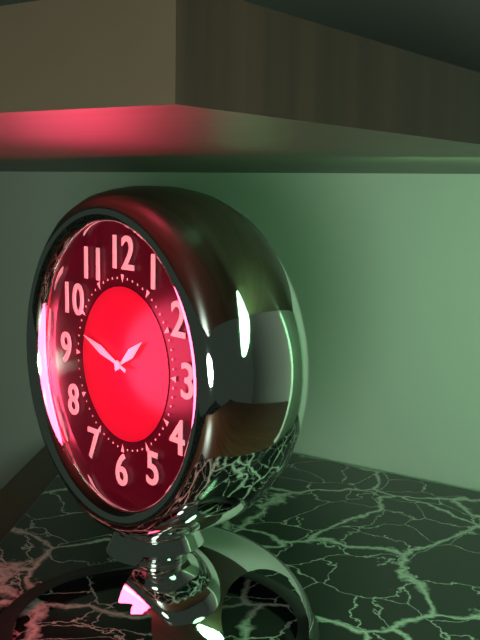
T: 1:48
